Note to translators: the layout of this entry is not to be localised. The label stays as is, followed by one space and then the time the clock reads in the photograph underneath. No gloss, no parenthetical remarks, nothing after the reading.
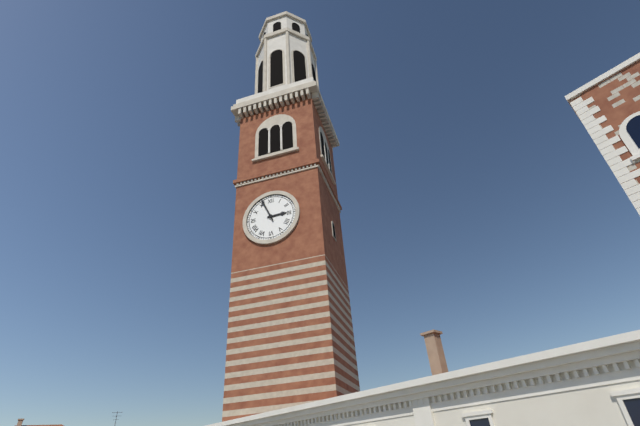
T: 2:56
